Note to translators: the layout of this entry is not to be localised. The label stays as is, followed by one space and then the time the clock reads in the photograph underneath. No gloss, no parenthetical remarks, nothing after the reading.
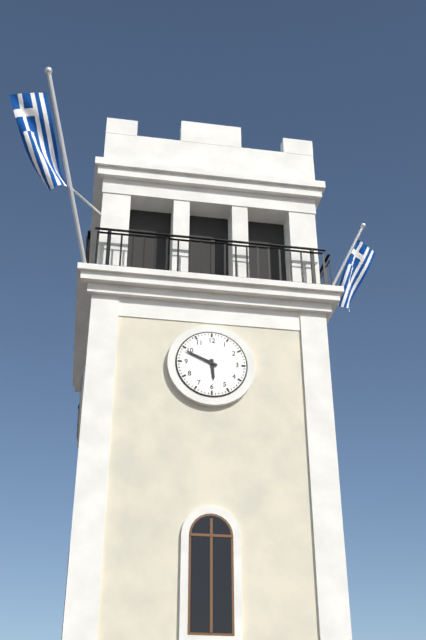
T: 5:49
